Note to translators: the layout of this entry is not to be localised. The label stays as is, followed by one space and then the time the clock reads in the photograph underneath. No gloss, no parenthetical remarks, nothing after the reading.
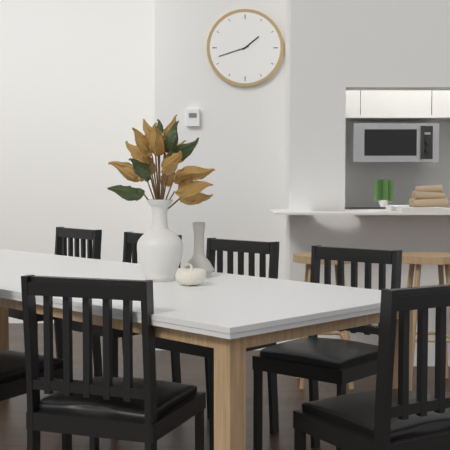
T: 1:42
